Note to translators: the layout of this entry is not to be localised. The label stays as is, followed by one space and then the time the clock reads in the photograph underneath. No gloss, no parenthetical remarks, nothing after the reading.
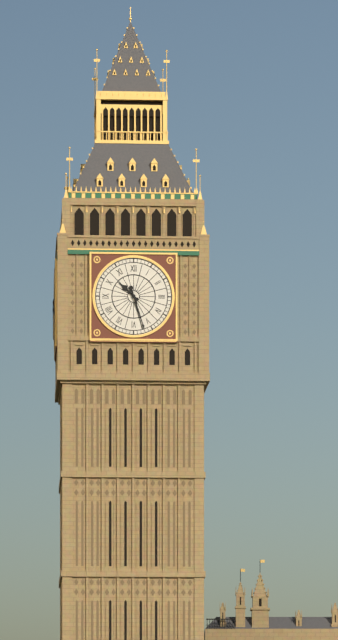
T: 10:27
